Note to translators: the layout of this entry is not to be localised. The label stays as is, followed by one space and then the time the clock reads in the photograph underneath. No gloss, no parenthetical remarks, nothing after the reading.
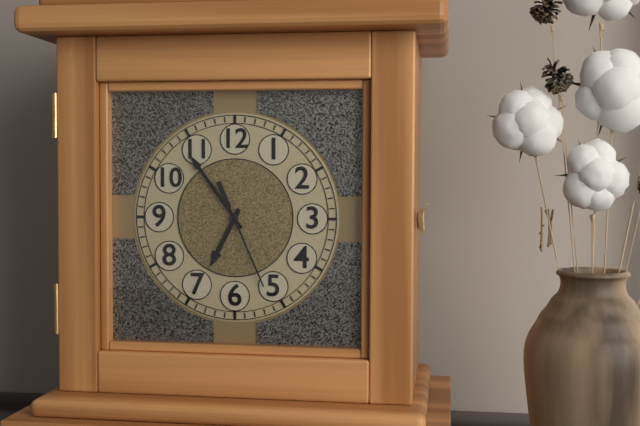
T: 6:54:26
